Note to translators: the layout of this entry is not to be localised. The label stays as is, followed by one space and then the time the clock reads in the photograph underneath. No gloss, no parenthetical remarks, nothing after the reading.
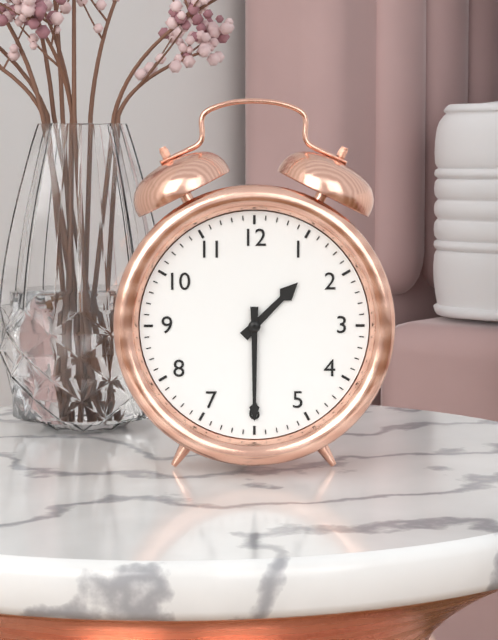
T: 1:30
